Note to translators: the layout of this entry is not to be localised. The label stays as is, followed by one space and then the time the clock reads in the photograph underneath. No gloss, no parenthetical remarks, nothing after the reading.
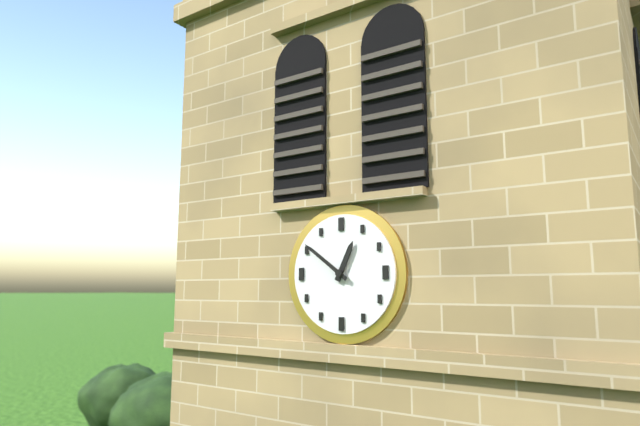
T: 12:51
